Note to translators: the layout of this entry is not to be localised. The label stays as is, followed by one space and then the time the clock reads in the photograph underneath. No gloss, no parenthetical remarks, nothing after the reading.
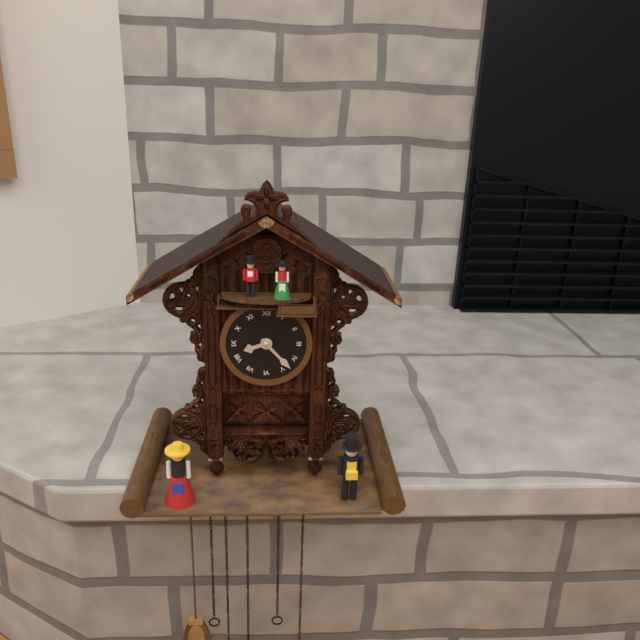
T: 8:23
